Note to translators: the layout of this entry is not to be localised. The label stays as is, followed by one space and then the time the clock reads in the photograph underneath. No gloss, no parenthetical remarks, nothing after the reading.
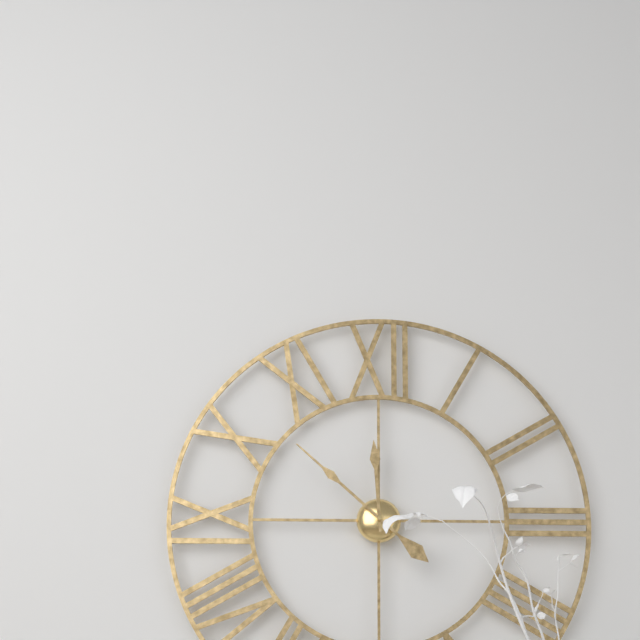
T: 11:52
